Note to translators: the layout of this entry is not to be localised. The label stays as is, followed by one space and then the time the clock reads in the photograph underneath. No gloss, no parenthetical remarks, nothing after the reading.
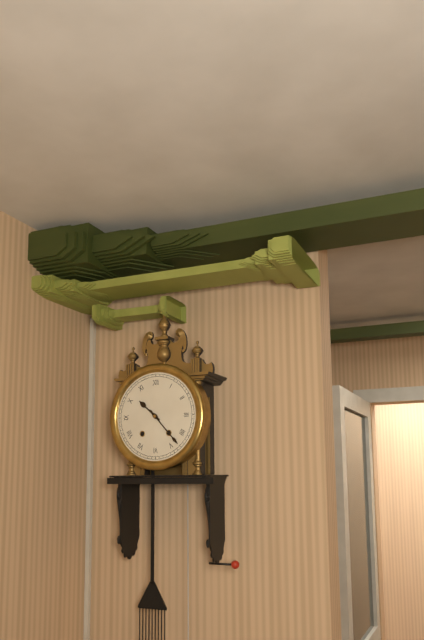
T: 10:23
